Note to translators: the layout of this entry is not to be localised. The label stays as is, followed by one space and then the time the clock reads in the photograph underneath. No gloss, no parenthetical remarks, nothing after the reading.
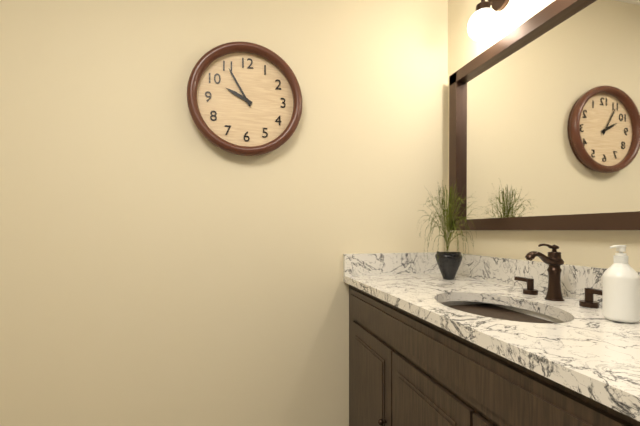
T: 9:55
